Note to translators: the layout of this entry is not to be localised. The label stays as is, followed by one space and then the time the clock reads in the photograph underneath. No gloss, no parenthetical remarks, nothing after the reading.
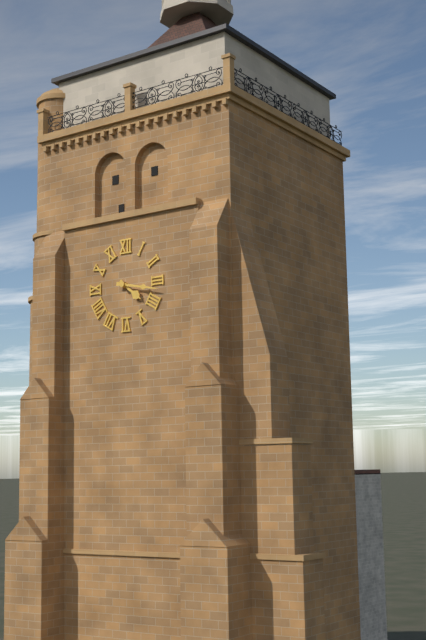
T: 4:17
